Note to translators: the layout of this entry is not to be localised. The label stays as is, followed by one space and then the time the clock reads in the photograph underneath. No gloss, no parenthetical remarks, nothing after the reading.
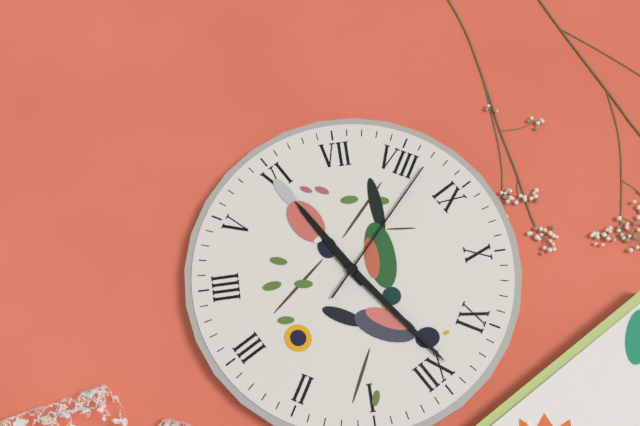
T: 5:59:42
